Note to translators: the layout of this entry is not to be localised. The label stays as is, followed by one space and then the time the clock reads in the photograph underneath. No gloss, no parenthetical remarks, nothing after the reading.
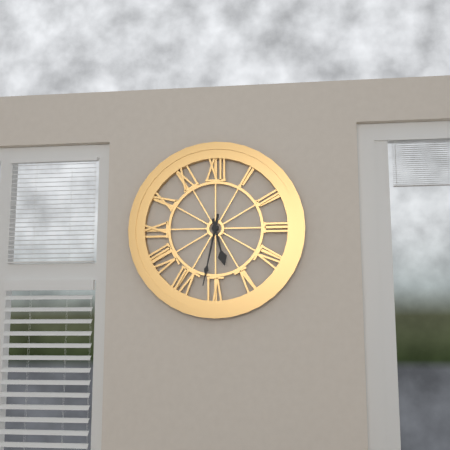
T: 5:32
